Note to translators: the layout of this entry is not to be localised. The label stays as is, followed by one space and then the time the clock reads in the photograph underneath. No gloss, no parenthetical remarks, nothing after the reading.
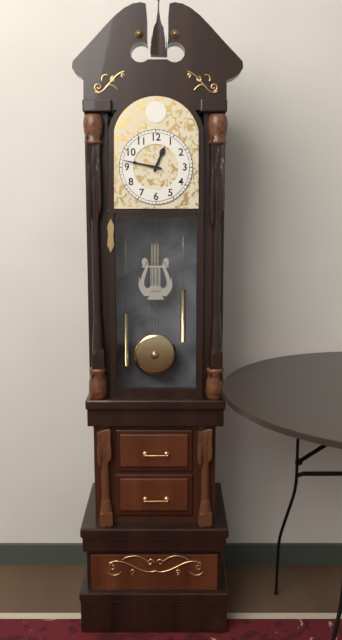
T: 12:47
